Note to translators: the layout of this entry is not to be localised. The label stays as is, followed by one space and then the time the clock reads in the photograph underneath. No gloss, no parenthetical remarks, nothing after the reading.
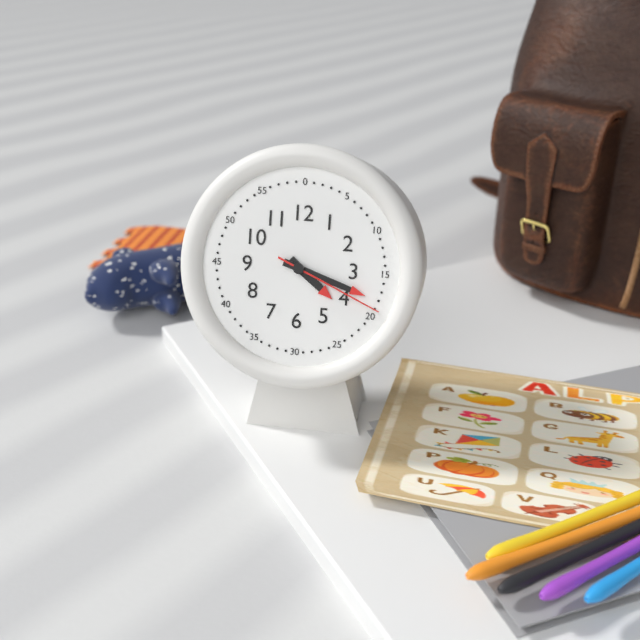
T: 4:18:19
